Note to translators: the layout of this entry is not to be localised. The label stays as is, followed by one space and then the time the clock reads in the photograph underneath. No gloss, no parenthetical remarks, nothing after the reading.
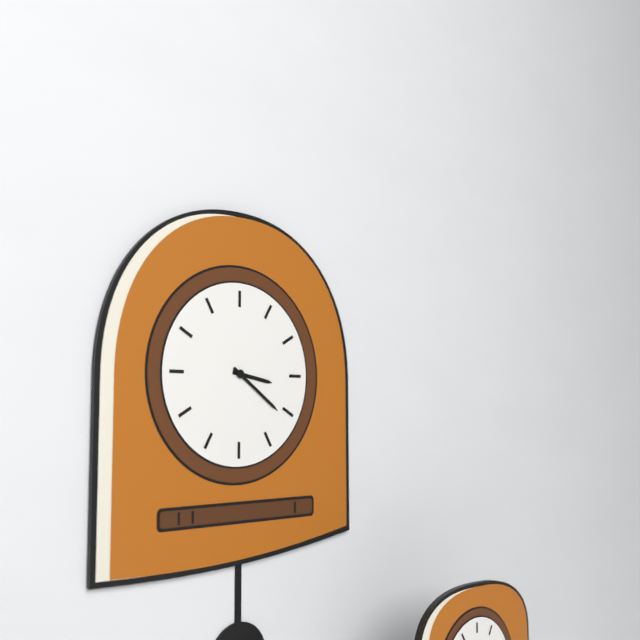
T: 3:21
